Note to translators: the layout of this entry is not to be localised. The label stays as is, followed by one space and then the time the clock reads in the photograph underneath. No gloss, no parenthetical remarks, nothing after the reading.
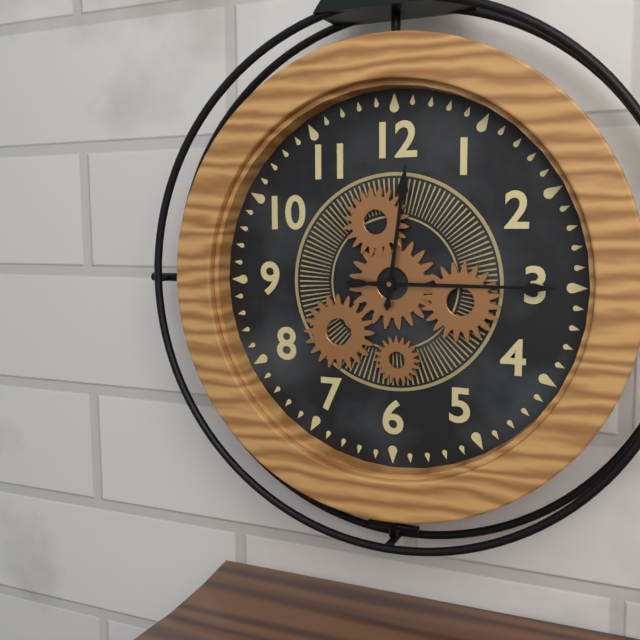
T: 12:15
